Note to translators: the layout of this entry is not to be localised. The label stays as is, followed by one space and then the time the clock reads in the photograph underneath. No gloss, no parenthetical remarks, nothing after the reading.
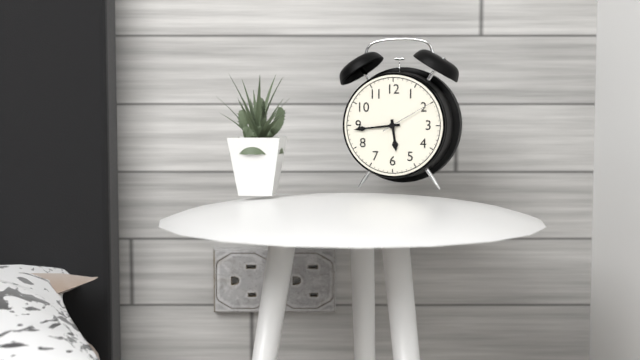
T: 5:44:10
